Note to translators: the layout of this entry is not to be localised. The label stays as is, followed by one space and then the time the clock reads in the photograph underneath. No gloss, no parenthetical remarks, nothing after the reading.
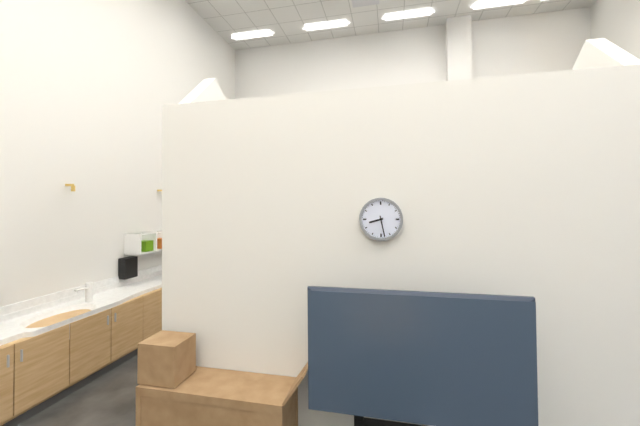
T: 8:28
